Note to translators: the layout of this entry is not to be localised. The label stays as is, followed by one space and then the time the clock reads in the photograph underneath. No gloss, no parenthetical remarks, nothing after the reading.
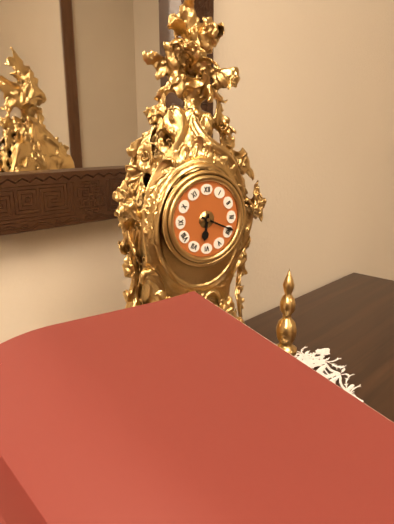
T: 6:19
